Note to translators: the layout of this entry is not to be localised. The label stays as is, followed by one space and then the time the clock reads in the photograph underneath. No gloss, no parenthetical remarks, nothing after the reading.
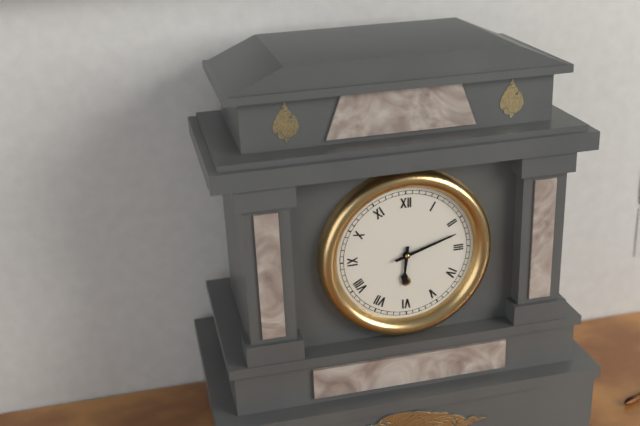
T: 6:12
